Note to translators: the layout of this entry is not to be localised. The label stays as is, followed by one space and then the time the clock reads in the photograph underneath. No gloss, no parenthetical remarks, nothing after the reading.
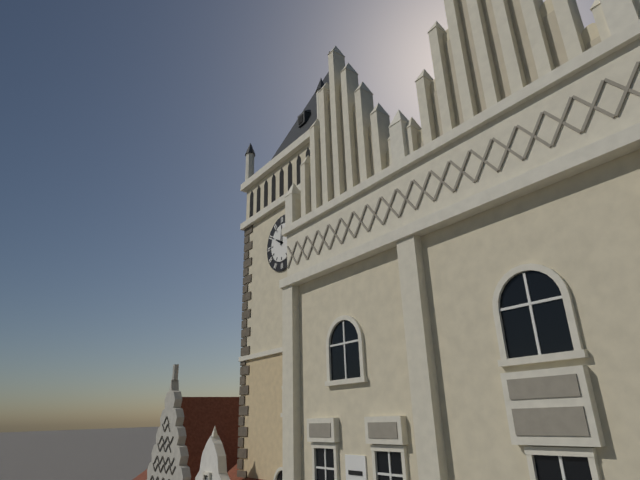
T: 10:01
